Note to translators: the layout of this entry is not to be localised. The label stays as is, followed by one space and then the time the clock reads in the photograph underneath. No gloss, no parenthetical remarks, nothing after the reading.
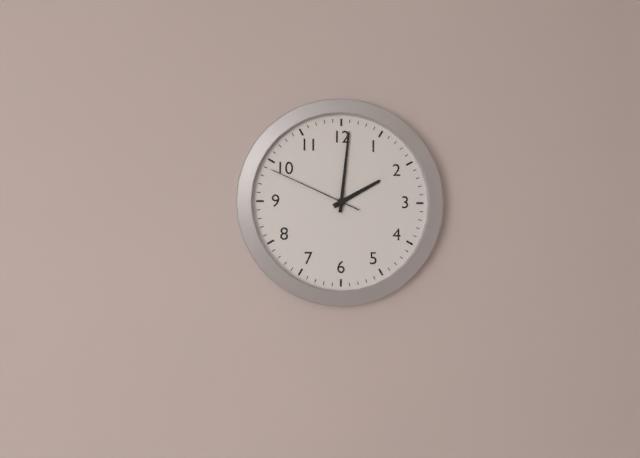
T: 2:01:49
